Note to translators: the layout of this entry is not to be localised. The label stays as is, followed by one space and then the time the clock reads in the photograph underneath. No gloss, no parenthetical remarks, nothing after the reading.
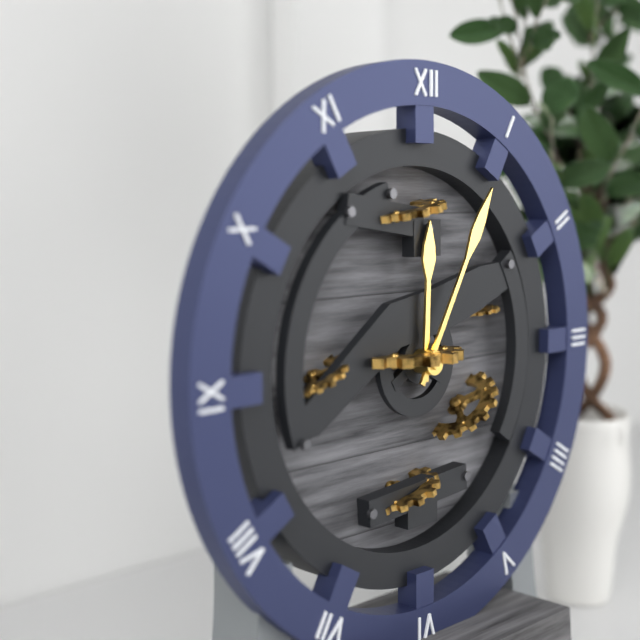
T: 12:05
